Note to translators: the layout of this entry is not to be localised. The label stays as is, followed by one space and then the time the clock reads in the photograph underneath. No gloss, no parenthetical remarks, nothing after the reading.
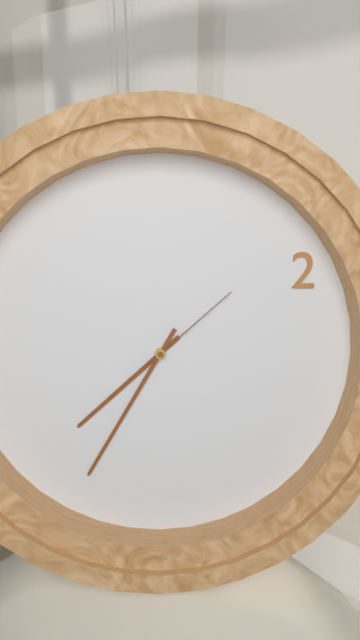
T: 7:35:08
